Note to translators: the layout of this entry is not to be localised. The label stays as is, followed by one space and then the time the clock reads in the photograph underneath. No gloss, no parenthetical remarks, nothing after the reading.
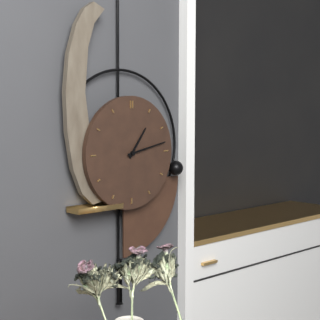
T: 1:13
